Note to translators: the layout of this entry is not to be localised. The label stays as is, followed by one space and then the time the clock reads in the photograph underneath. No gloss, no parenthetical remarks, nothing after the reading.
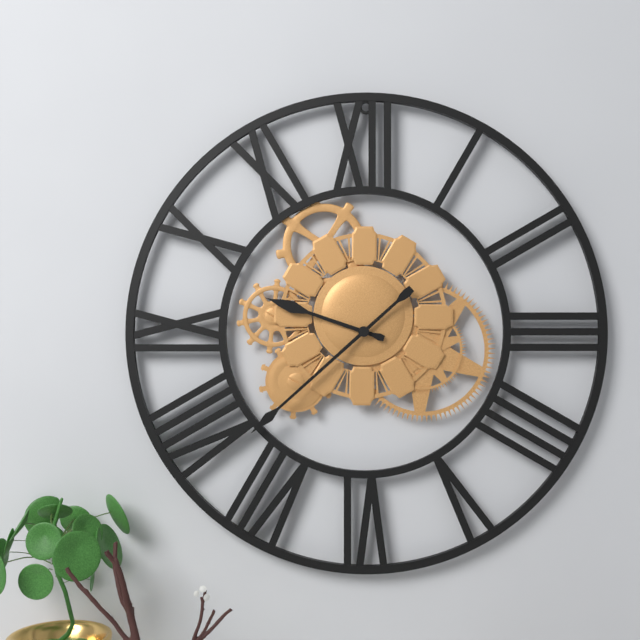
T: 9:38
